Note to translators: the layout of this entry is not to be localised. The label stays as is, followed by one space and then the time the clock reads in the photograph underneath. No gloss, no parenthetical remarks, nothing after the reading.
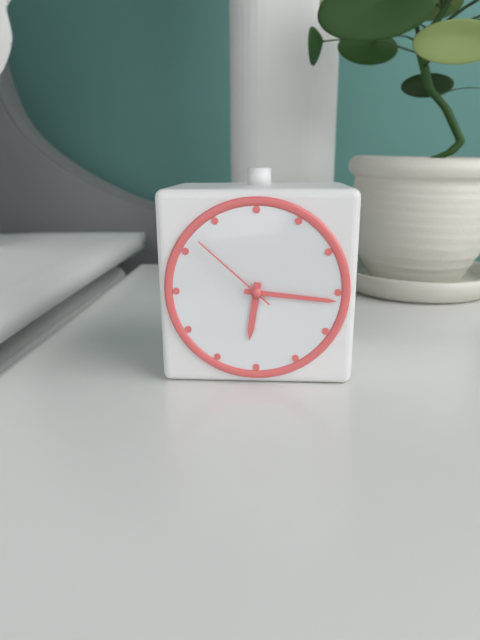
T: 6:16:52
